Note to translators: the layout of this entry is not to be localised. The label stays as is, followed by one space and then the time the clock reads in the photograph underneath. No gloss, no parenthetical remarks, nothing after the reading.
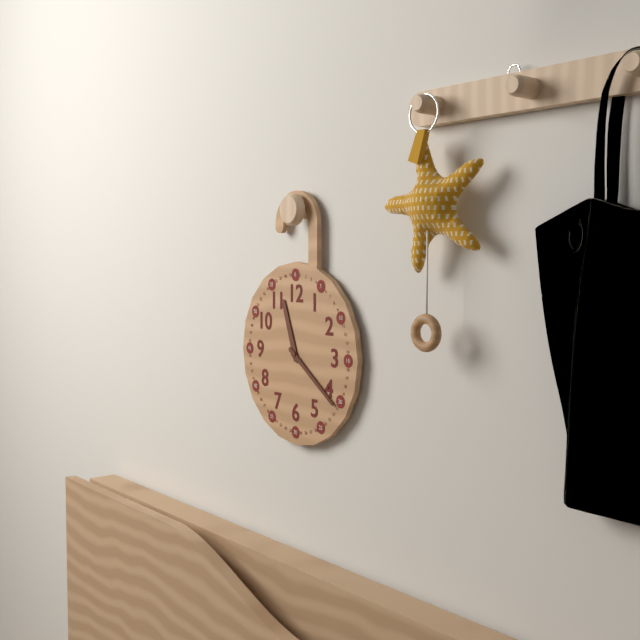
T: 11:21
